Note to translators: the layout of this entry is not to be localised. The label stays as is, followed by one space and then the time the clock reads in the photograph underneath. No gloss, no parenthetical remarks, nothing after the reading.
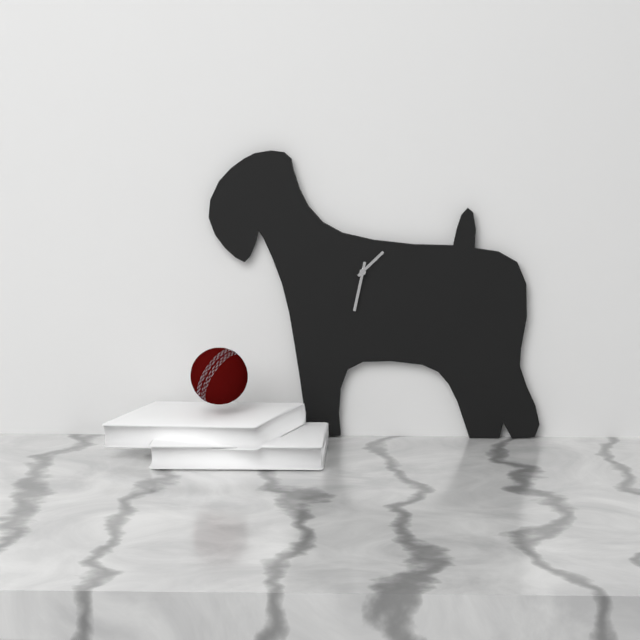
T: 1:32
